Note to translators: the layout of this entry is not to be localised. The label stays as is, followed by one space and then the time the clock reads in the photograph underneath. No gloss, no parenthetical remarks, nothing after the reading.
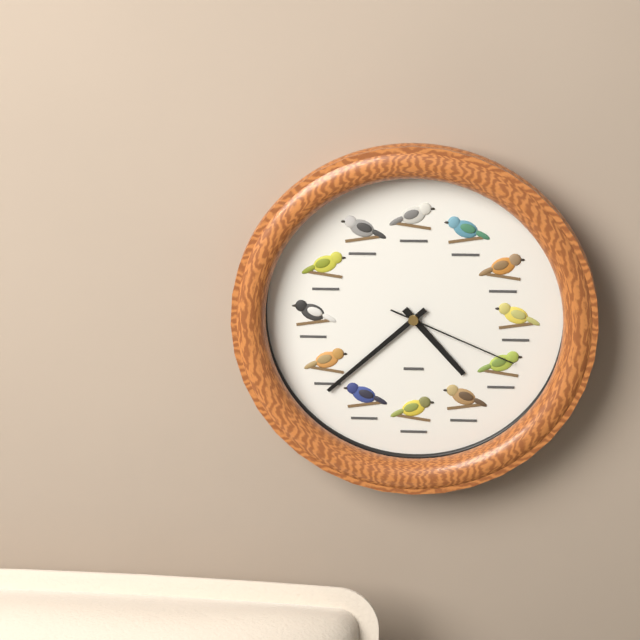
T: 4:38:19
